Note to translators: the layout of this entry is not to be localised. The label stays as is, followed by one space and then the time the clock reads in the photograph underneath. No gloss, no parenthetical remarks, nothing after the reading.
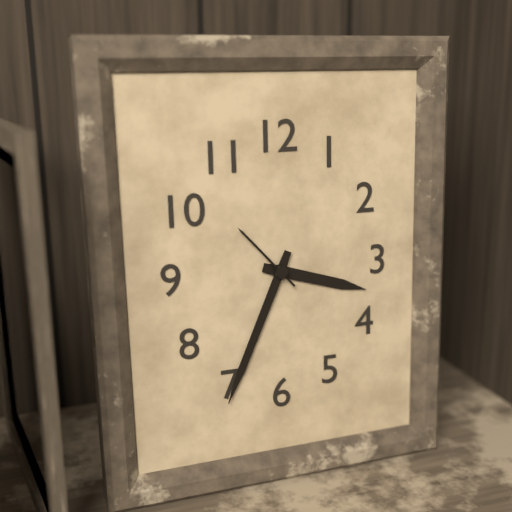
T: 3:34:53
